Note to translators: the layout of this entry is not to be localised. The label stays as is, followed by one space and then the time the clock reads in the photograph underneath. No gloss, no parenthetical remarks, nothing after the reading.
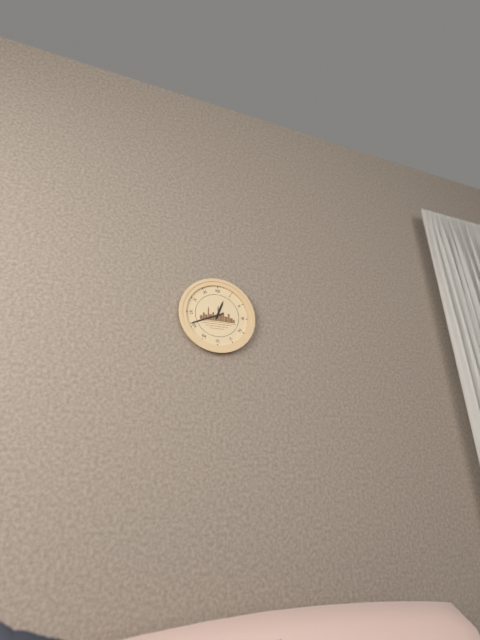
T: 12:41
